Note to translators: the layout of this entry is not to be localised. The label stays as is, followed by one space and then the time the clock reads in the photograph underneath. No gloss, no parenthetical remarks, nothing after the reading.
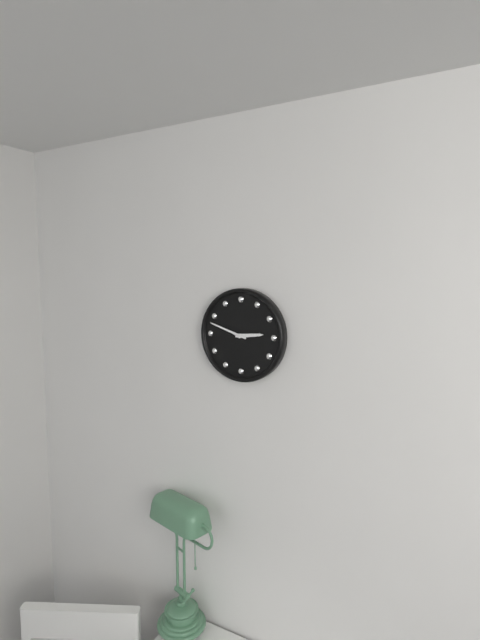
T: 2:48
